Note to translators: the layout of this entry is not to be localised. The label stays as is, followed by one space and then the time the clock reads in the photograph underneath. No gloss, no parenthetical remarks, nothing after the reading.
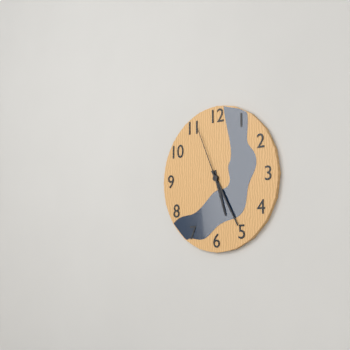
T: 5:25:56
